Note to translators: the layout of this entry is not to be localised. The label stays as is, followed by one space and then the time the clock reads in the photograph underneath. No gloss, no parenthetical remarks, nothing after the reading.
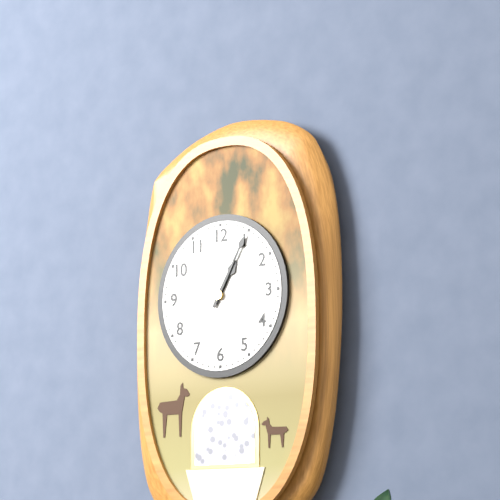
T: 1:05
